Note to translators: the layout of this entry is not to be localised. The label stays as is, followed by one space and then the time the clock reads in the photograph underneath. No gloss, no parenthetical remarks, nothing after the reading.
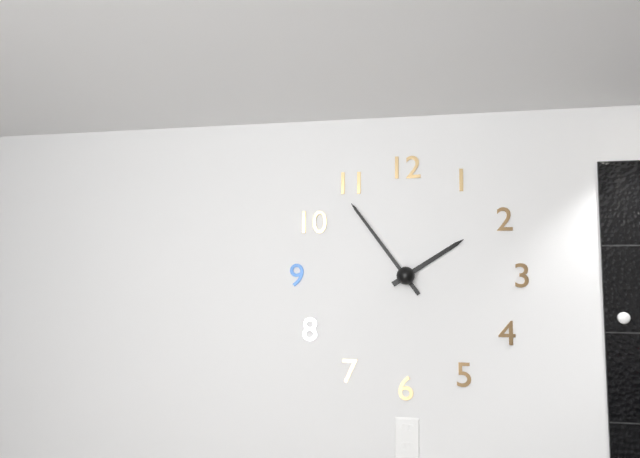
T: 1:54
